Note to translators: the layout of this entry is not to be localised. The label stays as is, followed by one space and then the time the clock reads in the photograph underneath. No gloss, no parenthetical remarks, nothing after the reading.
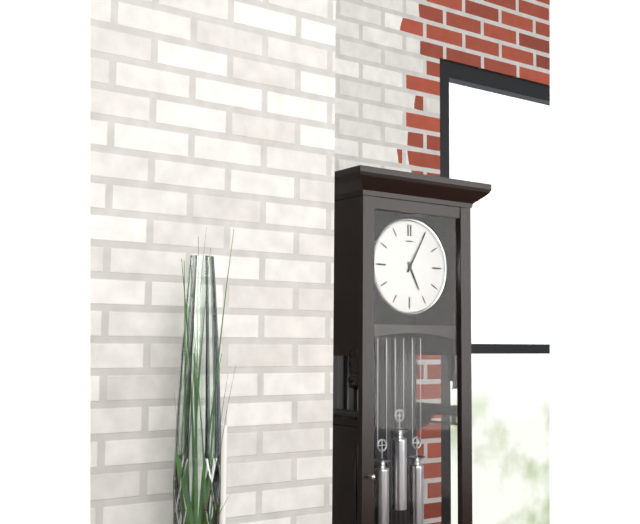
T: 5:05
